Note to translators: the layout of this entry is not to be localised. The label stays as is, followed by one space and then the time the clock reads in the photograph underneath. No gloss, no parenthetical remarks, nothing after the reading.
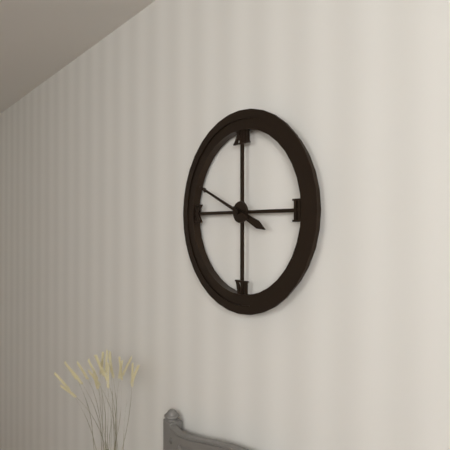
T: 3:49
